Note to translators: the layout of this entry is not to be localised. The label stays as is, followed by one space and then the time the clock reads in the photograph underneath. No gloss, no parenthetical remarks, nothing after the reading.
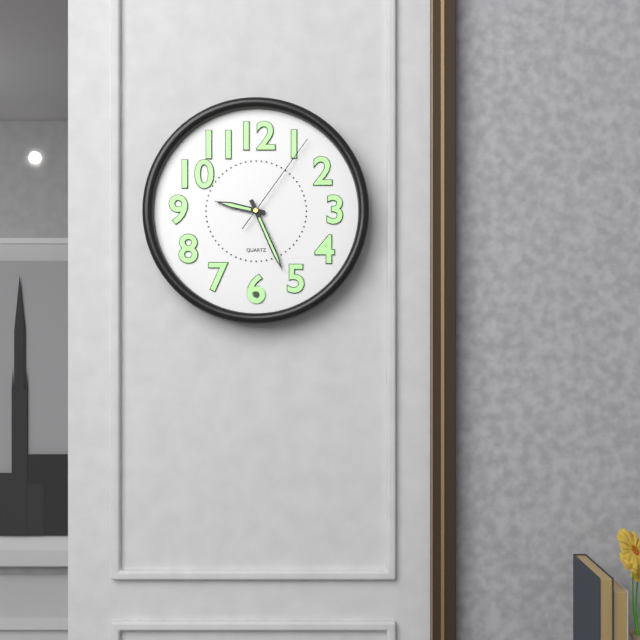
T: 9:26:06
